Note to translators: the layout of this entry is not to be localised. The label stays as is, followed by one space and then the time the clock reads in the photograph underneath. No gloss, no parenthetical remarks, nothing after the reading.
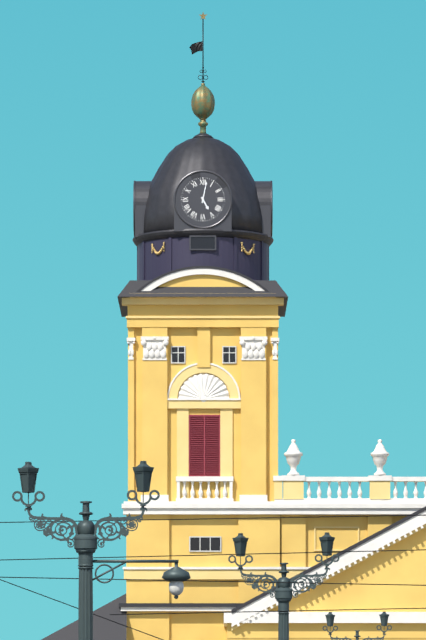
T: 5:02
